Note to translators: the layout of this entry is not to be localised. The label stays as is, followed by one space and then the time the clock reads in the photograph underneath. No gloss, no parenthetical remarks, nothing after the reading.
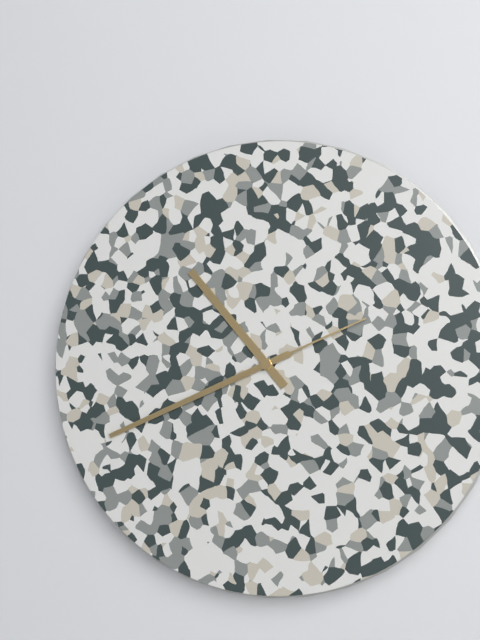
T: 10:41:11
